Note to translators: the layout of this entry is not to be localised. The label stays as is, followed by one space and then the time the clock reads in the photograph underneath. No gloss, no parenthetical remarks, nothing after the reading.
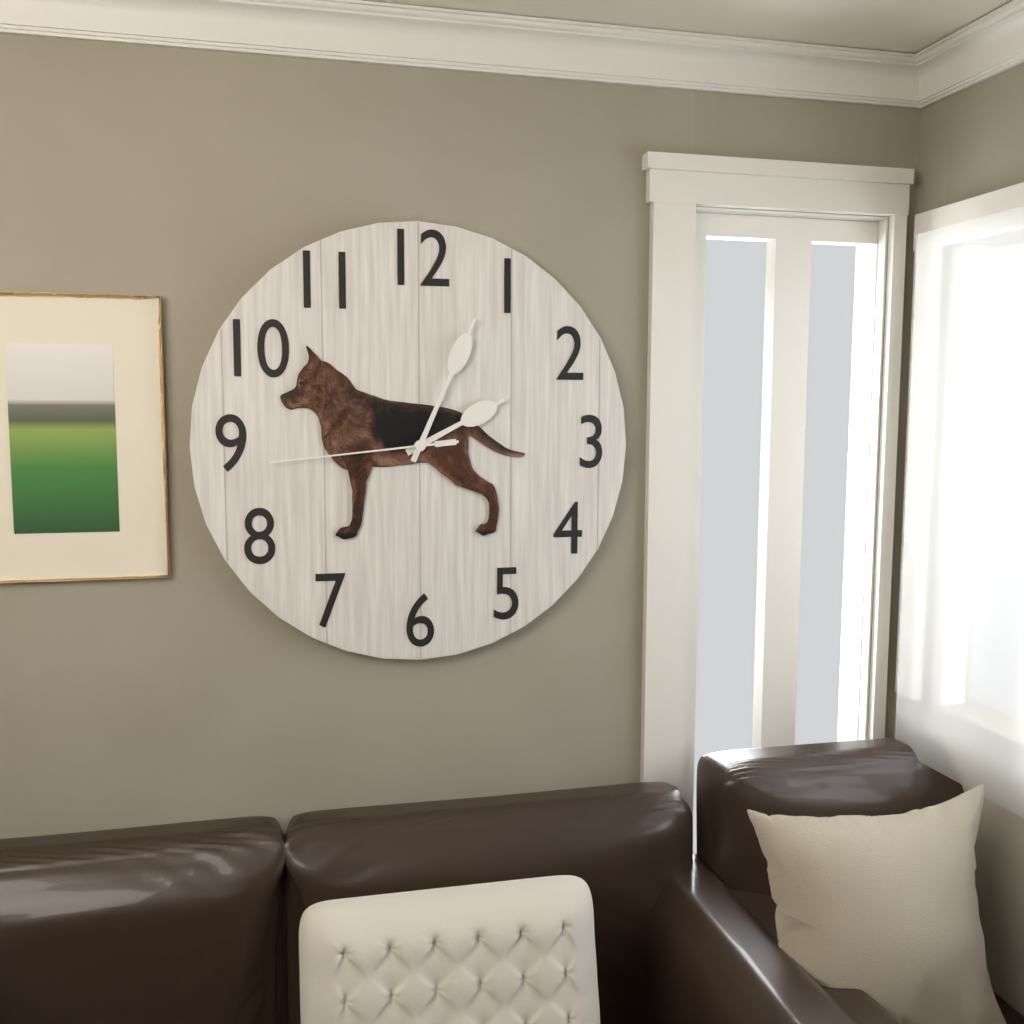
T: 2:04:44
